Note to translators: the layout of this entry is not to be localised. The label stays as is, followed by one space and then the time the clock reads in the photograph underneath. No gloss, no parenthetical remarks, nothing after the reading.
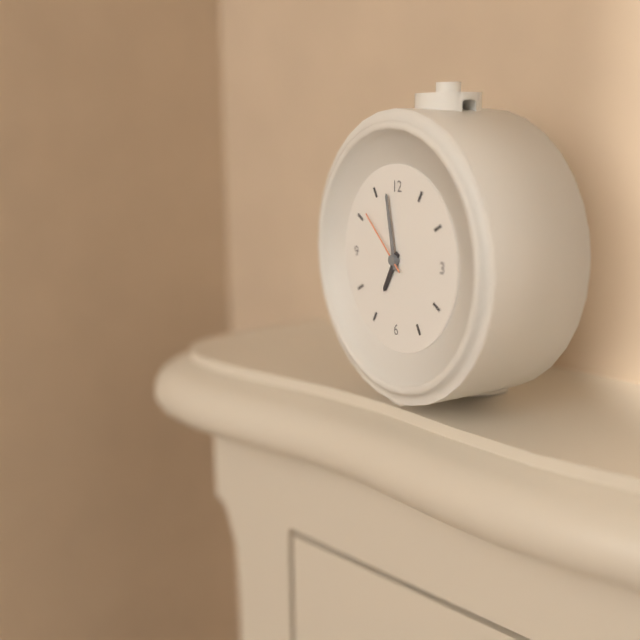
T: 6:58:52
